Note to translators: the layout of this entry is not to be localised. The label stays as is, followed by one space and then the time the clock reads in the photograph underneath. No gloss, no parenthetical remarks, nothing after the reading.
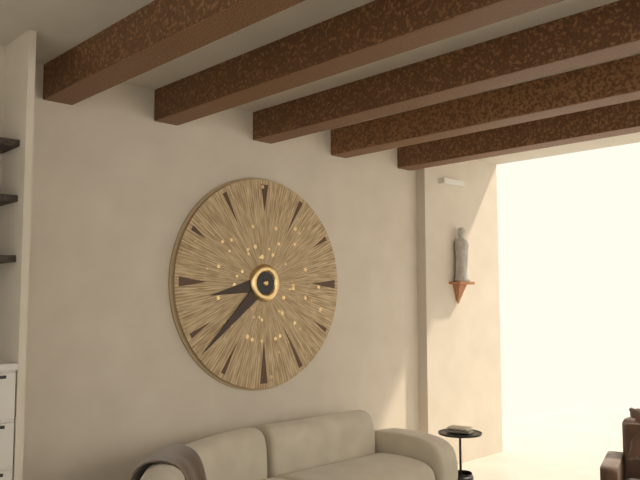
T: 8:38
